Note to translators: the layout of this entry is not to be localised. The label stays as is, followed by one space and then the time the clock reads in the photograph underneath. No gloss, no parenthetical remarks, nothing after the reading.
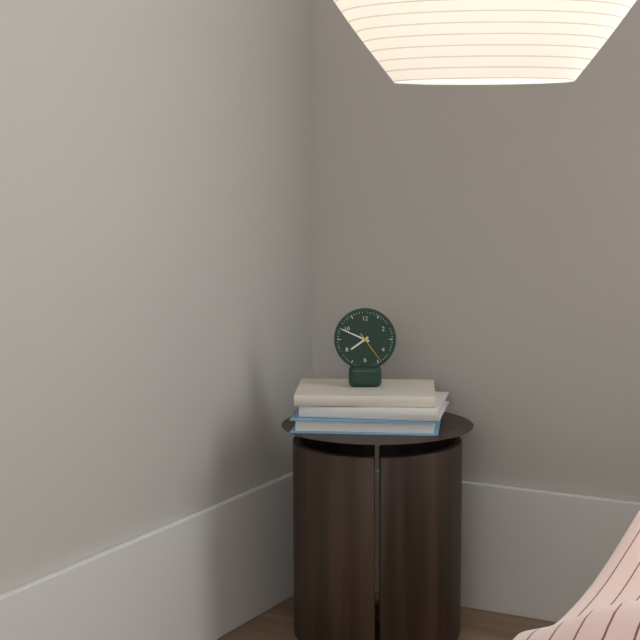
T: 7:49
